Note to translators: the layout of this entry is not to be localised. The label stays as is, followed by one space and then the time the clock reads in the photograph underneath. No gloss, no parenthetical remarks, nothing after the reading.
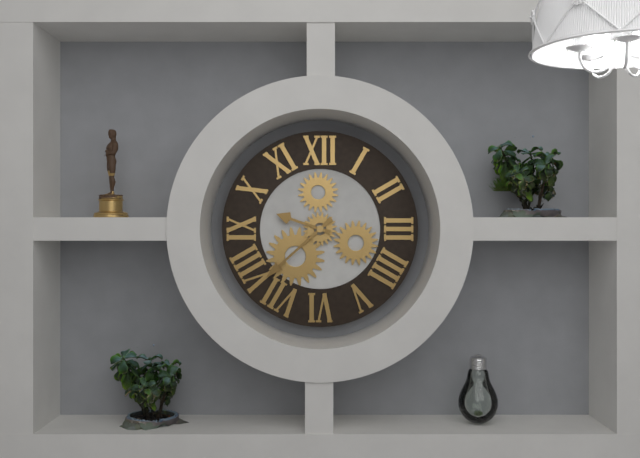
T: 9:38
